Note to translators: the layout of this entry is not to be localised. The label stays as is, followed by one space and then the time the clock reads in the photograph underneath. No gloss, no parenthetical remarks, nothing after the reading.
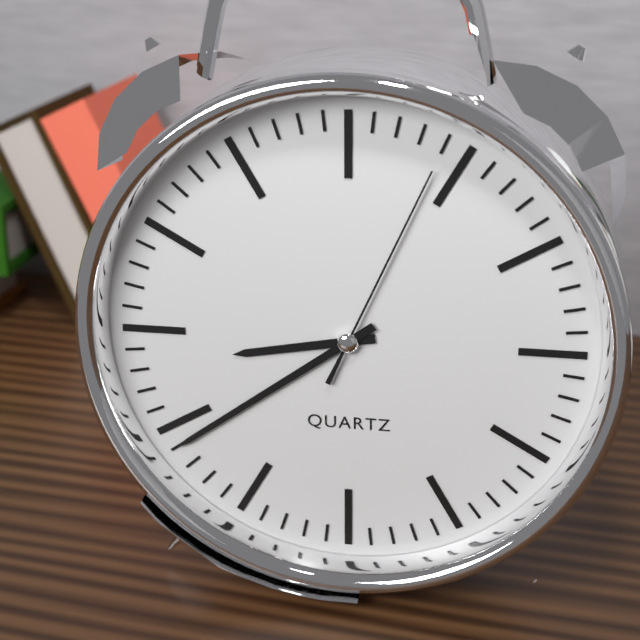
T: 8:39:04
